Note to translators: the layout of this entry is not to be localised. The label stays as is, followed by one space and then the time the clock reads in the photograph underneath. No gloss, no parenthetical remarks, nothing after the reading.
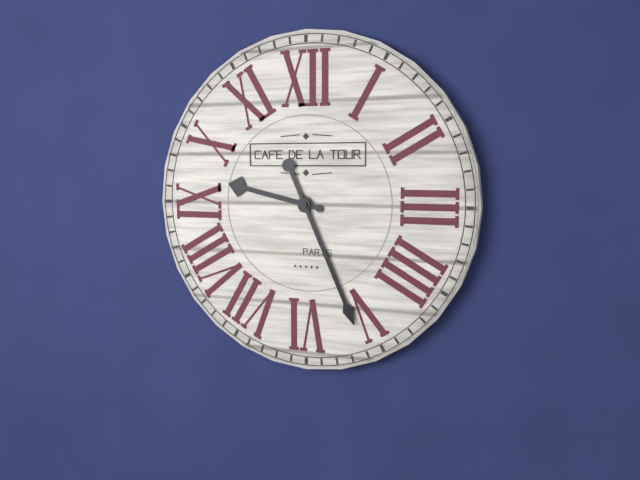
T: 9:26
